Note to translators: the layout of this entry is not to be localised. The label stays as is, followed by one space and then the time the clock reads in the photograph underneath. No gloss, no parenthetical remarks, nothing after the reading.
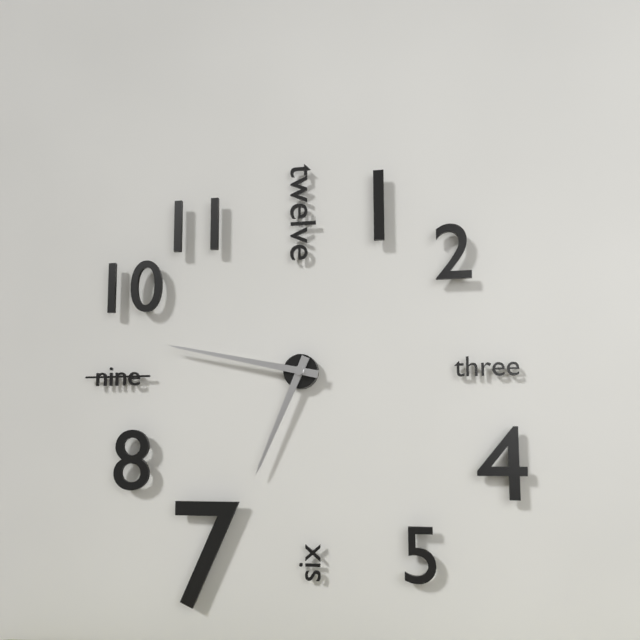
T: 6:47
